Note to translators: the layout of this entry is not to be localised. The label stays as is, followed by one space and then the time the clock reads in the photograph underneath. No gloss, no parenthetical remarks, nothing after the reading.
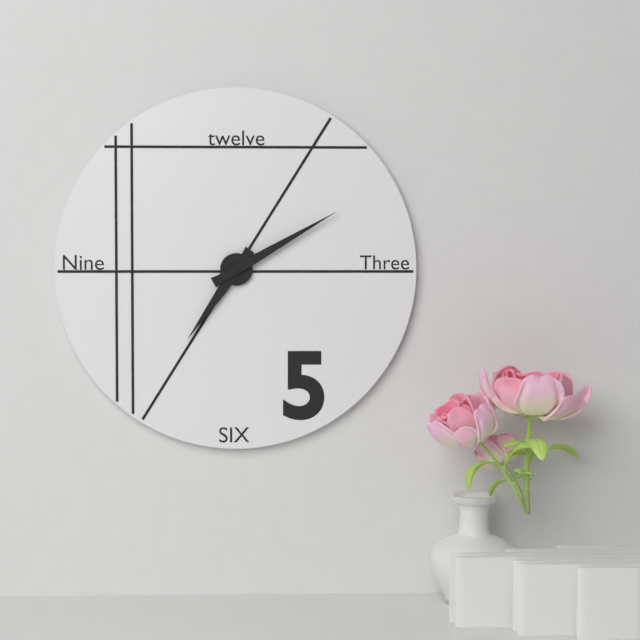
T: 7:10
